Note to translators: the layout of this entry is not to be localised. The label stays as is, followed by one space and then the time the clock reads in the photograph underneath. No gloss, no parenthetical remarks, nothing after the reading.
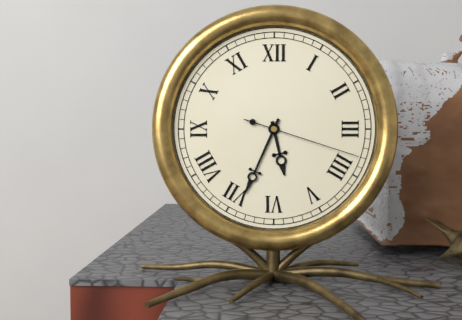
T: 5:34:18
